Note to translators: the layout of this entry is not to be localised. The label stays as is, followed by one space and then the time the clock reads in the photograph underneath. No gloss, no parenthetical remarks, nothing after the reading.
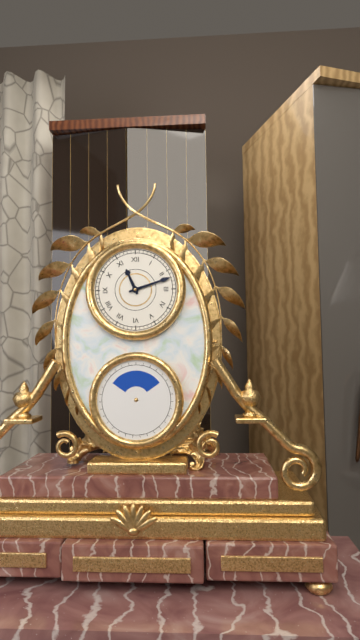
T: 11:12
